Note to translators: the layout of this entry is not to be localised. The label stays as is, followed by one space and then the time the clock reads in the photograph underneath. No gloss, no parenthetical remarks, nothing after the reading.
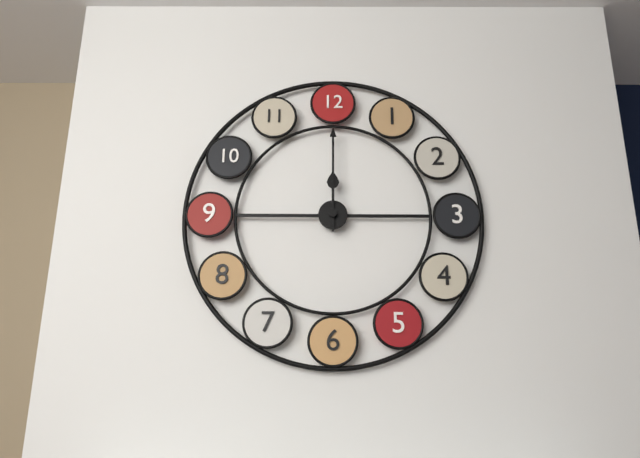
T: 12:00
